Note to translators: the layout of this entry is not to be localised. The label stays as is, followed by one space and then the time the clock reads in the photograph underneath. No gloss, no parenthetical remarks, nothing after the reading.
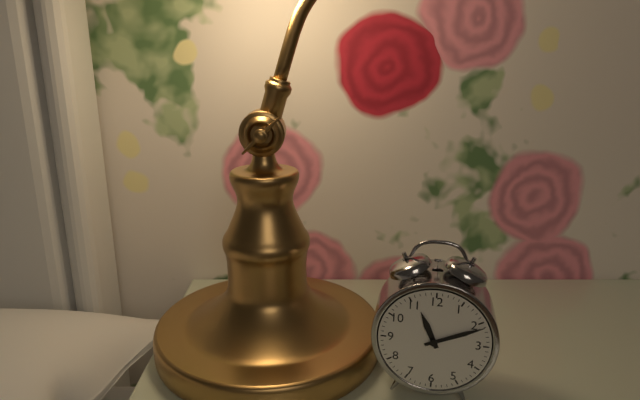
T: 11:11
